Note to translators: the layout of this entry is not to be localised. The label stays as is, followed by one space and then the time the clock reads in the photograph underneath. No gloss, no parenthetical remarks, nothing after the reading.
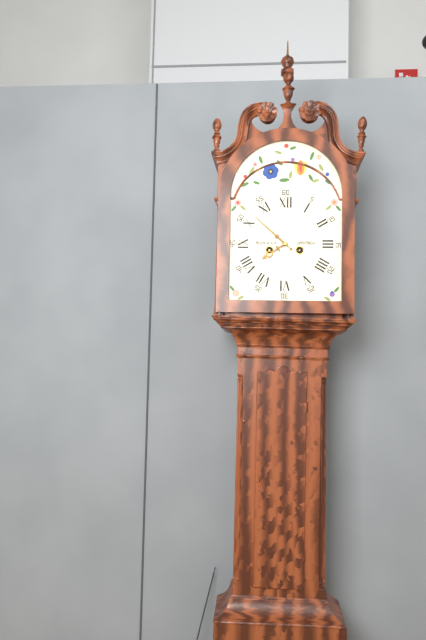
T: 7:52
